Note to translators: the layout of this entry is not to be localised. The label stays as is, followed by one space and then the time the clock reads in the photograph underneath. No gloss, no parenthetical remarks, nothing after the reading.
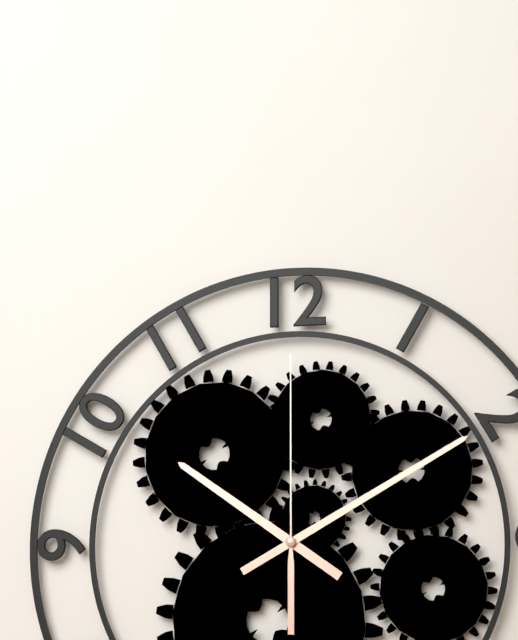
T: 10:10:00
